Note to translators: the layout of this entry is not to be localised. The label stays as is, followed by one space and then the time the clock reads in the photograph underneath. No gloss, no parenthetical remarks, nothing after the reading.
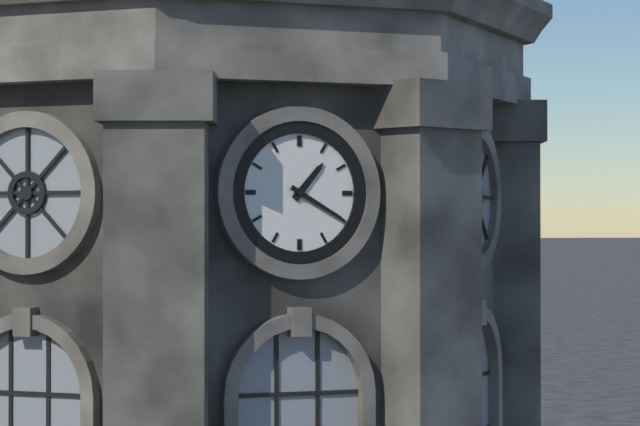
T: 1:20
